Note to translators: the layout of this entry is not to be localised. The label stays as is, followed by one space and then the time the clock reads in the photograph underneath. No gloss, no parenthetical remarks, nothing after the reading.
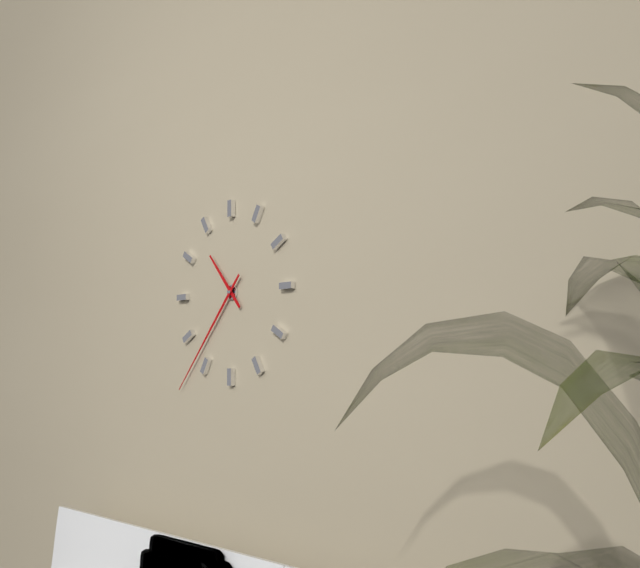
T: 10:37
